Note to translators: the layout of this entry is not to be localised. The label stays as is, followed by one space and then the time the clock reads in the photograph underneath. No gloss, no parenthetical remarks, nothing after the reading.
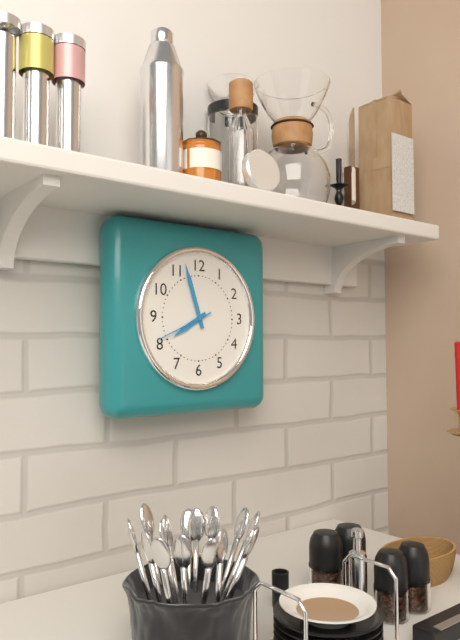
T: 7:57
